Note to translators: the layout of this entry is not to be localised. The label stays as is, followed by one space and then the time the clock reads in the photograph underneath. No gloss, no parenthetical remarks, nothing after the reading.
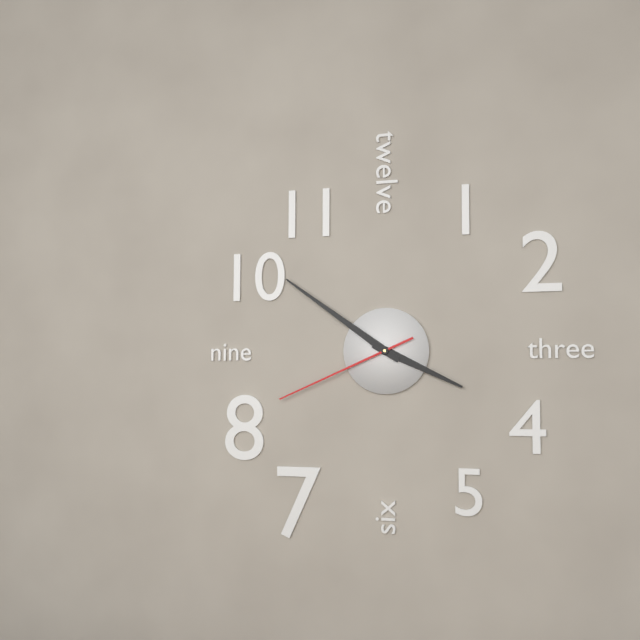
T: 3:51:41
